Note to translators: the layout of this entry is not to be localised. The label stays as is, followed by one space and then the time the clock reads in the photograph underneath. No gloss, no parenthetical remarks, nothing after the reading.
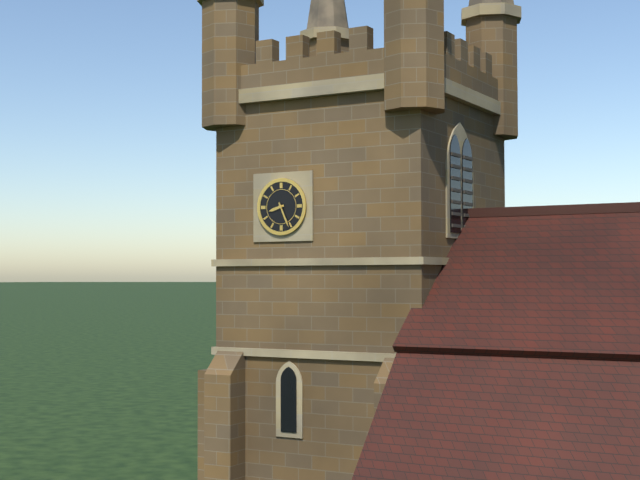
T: 8:26
